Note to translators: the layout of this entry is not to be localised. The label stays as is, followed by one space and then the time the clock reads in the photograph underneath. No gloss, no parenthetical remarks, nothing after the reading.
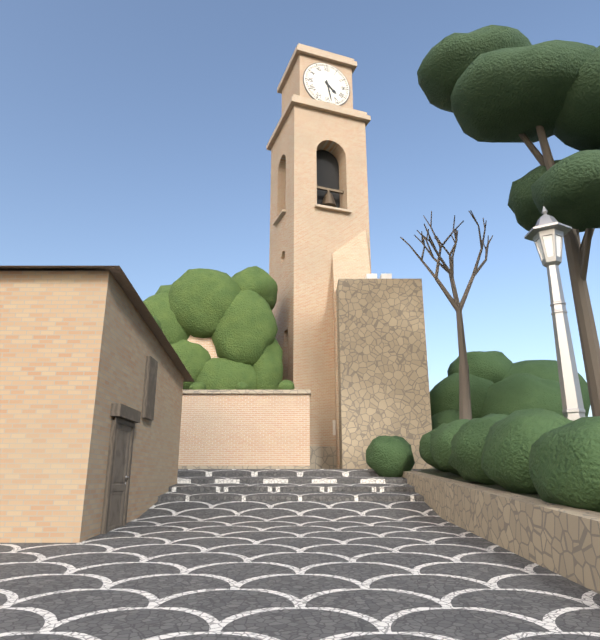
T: 4:28
